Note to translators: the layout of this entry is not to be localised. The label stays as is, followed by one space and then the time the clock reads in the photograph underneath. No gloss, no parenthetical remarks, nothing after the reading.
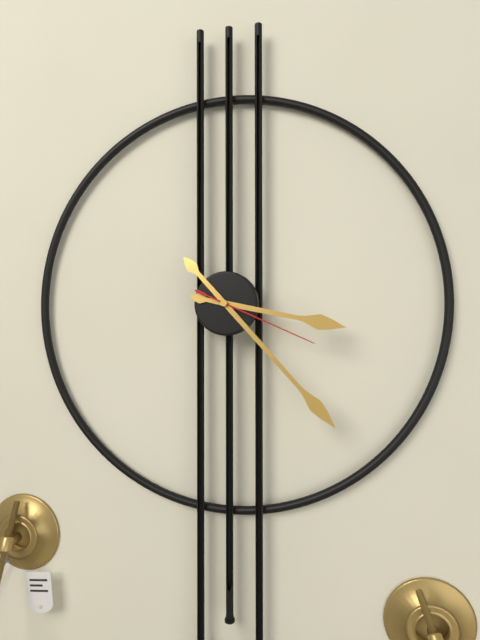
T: 3:23:19
